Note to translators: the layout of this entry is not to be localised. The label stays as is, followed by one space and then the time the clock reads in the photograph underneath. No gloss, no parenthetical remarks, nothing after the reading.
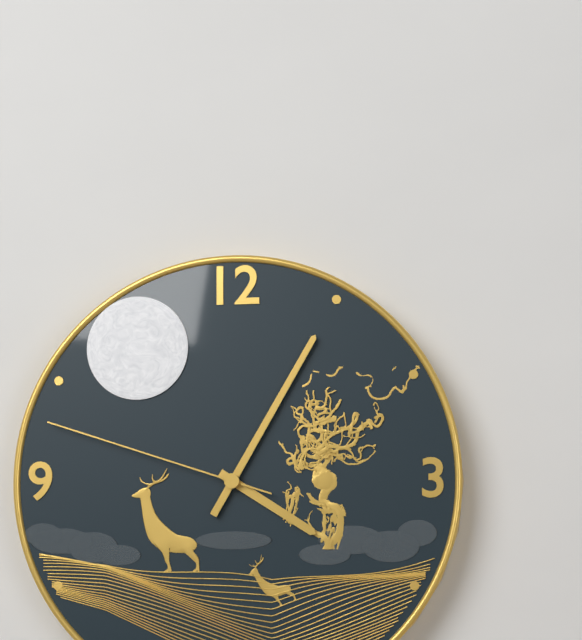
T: 4:05:48
